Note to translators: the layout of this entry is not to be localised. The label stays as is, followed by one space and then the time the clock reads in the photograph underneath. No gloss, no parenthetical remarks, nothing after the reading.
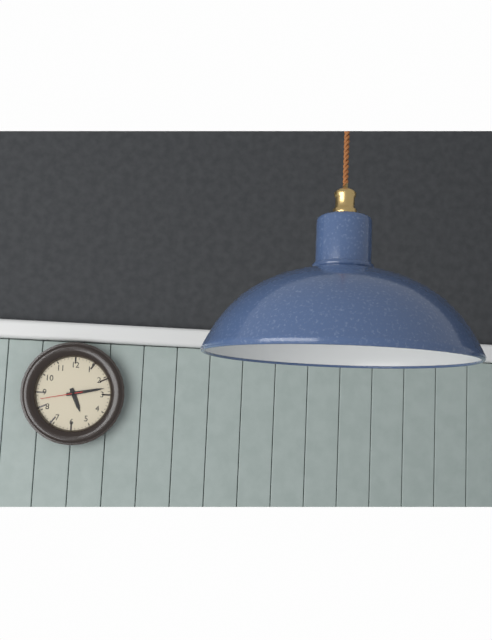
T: 5:13
